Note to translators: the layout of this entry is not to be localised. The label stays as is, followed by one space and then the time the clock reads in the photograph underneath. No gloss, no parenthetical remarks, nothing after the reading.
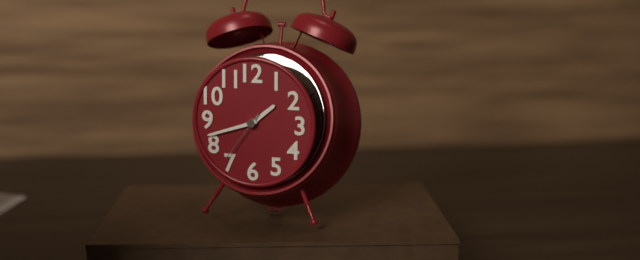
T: 1:42:36
